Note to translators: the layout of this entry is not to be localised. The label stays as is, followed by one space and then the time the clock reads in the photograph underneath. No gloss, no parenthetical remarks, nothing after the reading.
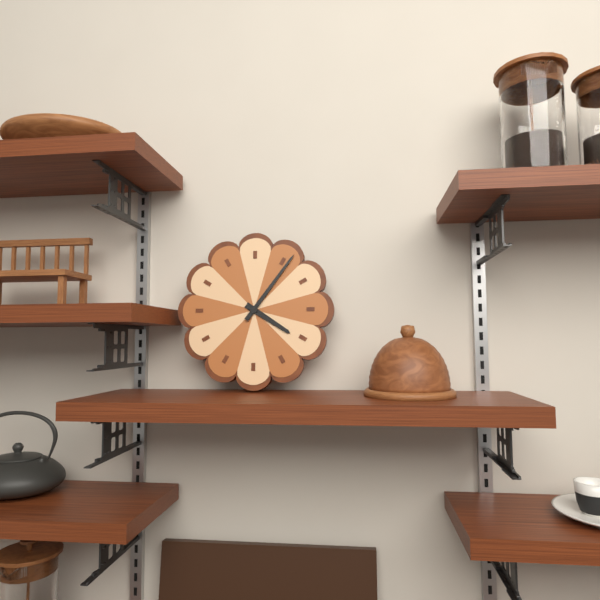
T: 4:06
